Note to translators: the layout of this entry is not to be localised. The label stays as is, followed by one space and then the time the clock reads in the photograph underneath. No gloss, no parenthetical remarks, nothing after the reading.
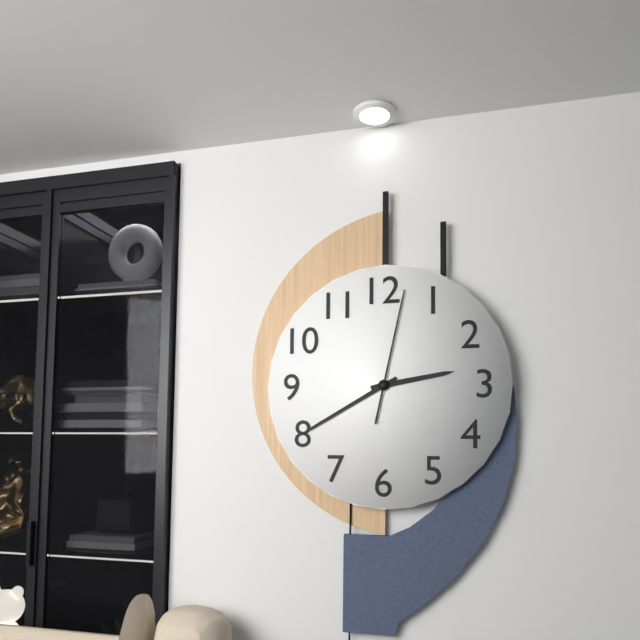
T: 2:40:02
